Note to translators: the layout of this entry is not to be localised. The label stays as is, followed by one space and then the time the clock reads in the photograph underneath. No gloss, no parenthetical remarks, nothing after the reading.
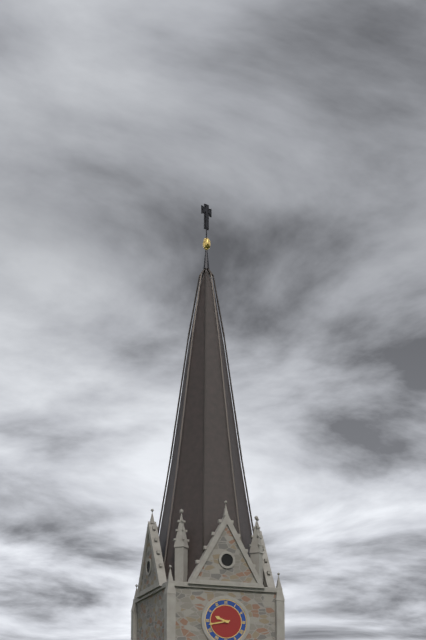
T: 9:43
